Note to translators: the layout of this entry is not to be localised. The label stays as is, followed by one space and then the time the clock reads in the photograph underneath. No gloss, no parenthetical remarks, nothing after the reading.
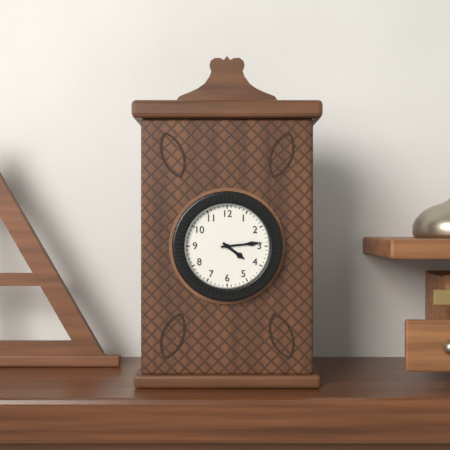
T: 4:14
